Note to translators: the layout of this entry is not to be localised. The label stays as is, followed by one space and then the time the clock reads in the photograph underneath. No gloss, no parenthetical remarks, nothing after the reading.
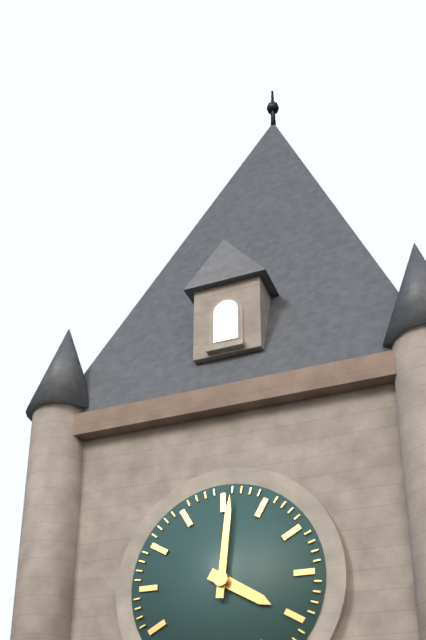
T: 4:01
